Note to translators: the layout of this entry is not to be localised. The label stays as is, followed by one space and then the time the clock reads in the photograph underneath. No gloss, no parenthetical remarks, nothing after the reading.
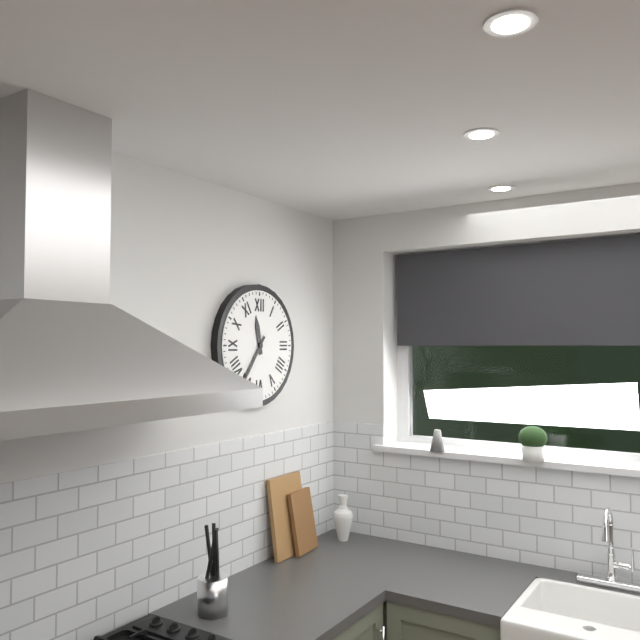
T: 11:36
